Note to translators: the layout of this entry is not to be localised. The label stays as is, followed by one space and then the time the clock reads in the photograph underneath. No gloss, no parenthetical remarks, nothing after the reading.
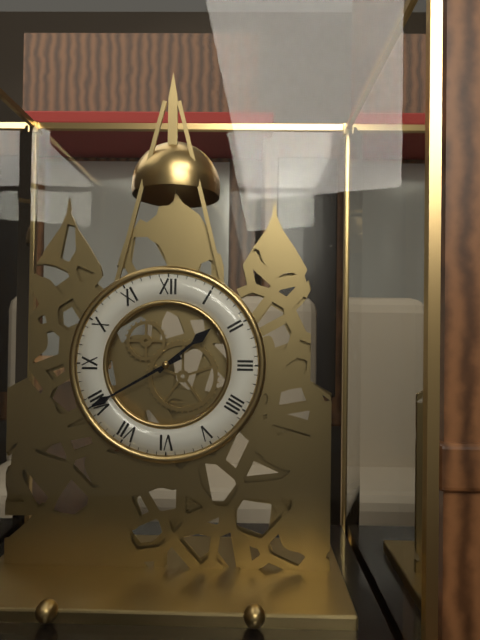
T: 1:40
